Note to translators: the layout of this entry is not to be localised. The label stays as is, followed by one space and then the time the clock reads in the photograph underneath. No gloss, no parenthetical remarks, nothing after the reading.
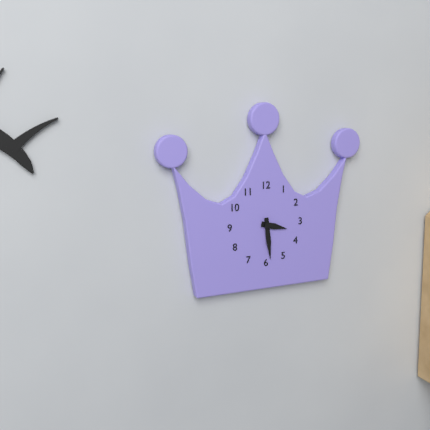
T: 3:29
